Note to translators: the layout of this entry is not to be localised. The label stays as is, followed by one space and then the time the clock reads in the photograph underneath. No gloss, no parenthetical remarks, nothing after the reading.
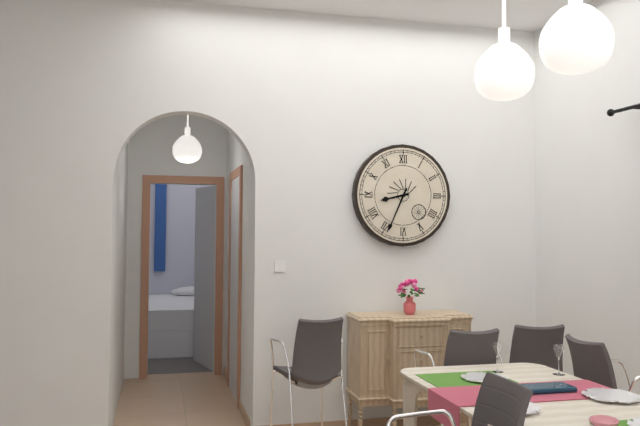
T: 8:34
